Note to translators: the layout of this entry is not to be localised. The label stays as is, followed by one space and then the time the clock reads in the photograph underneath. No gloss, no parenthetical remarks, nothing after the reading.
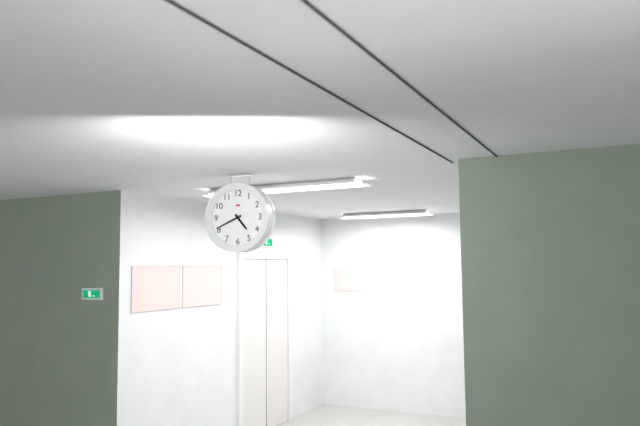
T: 4:41
